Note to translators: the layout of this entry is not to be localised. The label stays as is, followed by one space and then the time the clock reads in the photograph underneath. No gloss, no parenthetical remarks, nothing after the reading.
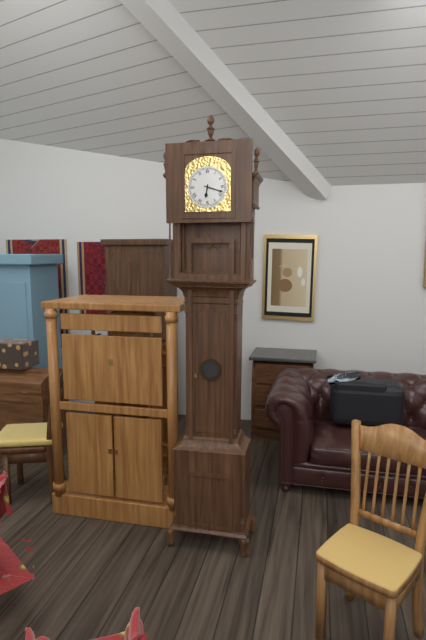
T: 6:18
